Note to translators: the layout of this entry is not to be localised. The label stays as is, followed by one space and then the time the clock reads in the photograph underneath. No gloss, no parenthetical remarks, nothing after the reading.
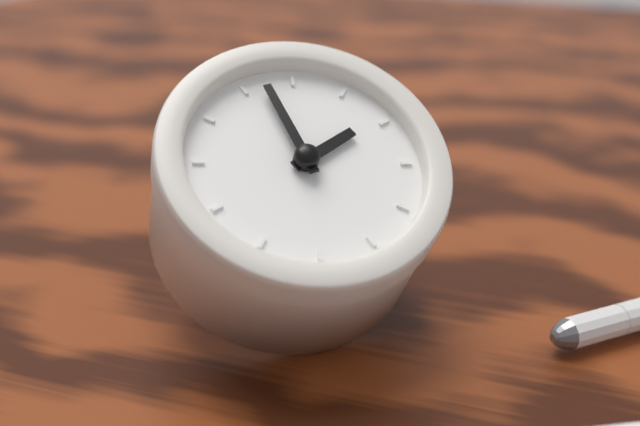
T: 12:52
